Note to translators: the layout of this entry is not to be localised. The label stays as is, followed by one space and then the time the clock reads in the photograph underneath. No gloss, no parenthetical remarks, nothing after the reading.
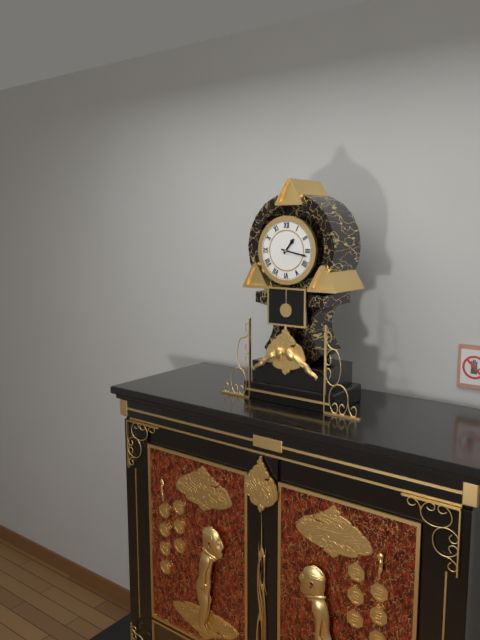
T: 1:17
